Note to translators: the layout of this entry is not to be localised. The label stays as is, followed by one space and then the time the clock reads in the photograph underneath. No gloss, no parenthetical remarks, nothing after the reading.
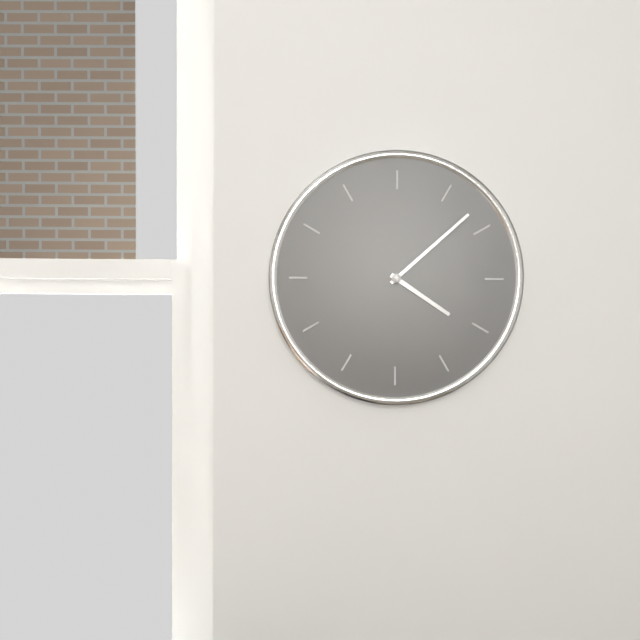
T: 4:08
